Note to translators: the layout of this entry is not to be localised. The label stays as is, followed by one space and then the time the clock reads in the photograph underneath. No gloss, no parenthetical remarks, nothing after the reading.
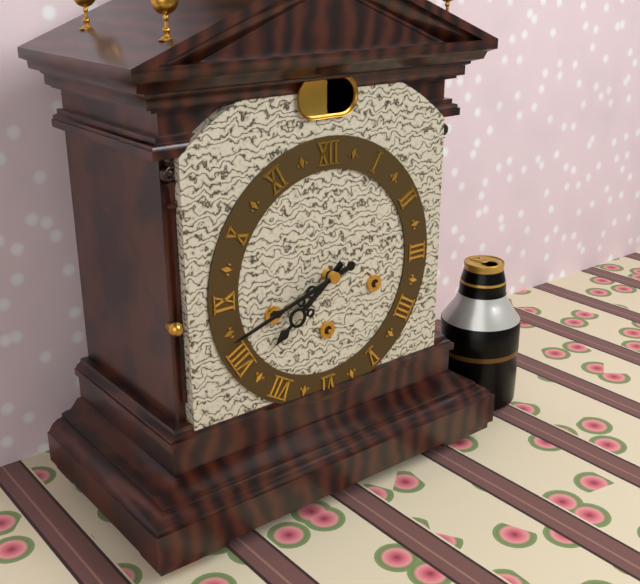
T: 7:42
